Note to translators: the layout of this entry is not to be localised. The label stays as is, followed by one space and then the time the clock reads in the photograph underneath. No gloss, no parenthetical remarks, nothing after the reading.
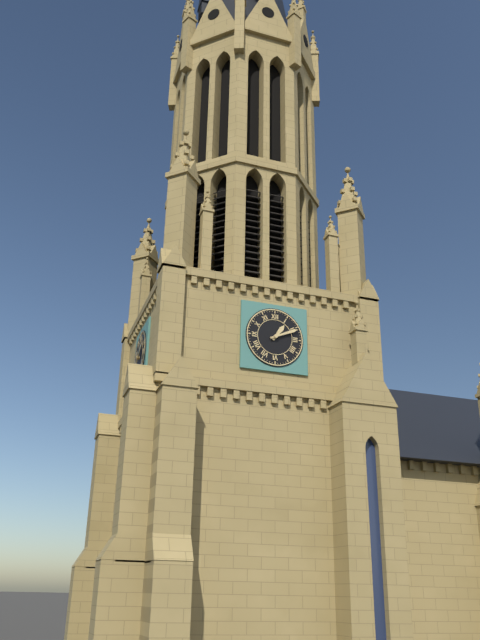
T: 1:11
